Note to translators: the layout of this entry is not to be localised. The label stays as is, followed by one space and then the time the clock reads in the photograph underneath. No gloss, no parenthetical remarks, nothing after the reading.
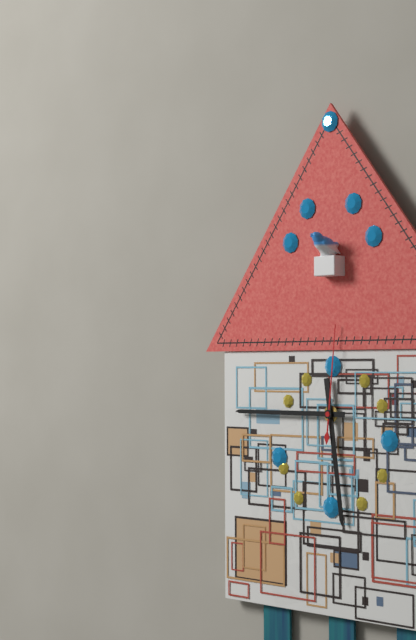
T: 5:45:01
